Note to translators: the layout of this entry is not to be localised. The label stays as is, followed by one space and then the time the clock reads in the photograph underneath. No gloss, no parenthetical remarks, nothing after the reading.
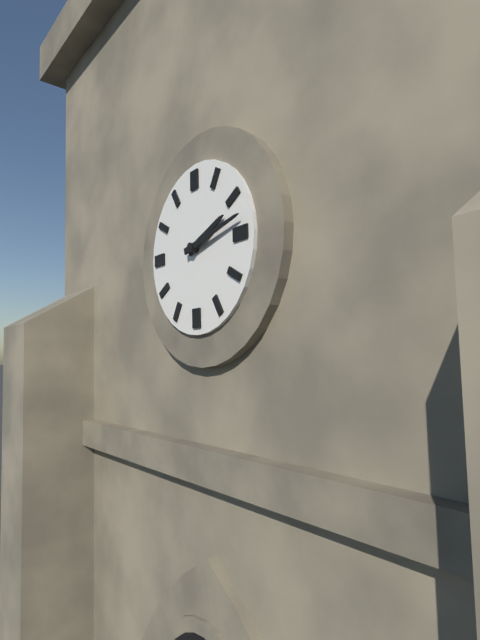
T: 2:13
